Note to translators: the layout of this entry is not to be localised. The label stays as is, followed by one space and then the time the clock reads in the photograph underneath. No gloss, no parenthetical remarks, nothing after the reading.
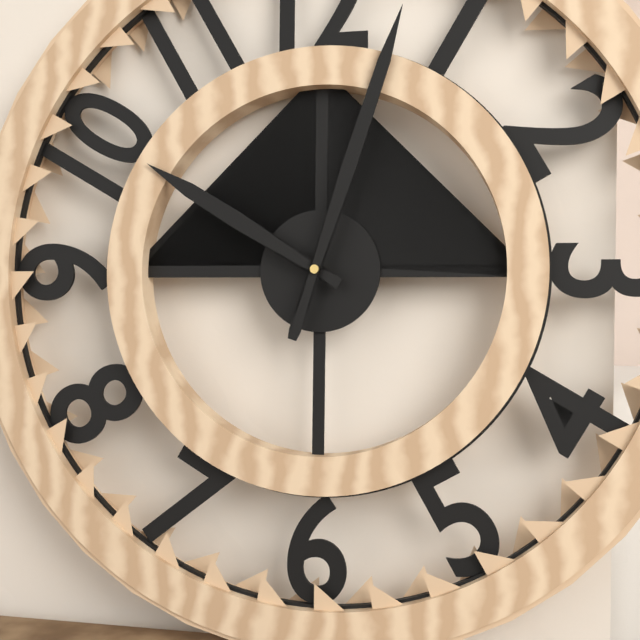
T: 10:03
